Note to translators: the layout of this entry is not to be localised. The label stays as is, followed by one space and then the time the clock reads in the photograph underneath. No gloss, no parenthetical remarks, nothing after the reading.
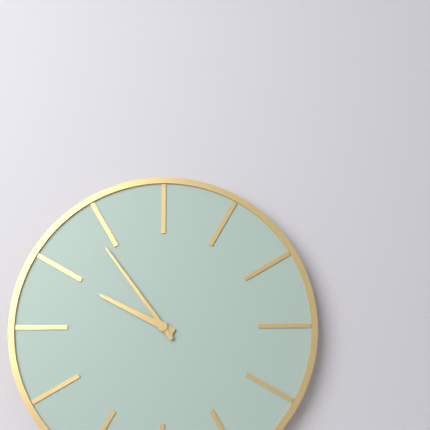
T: 9:54
